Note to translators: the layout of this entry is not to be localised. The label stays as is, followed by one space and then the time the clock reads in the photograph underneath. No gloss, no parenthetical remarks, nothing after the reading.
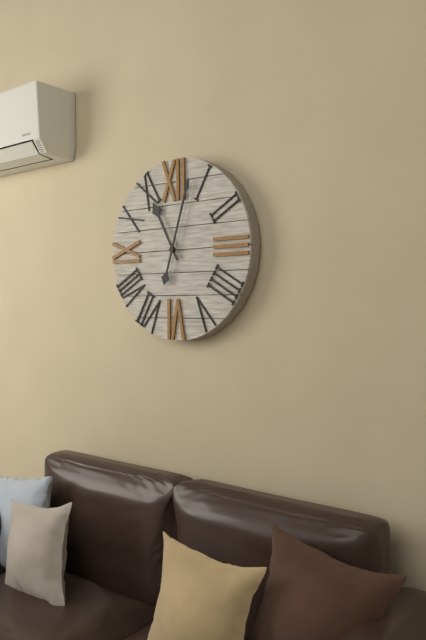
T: 11:03
